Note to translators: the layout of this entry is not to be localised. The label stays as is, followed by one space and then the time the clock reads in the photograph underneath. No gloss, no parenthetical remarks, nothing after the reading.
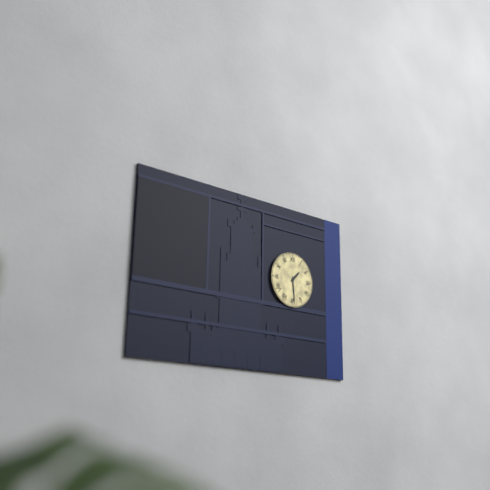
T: 1:29
